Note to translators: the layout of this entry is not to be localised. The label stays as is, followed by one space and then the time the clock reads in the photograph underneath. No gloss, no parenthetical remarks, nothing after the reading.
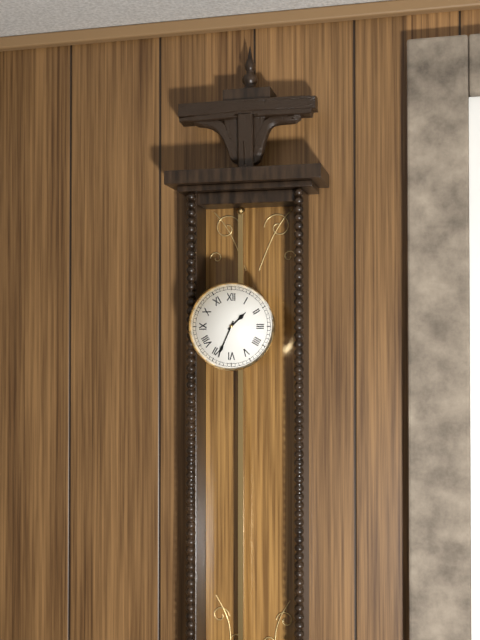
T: 1:34
